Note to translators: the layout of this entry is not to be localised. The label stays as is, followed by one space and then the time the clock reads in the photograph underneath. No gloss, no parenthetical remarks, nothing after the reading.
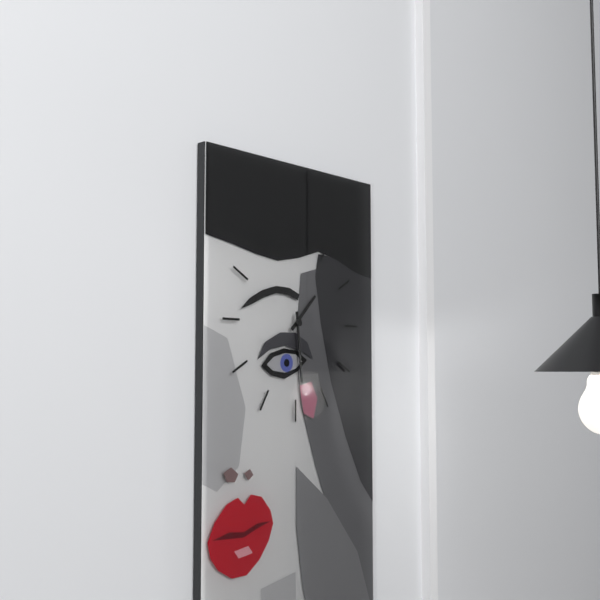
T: 1:29
